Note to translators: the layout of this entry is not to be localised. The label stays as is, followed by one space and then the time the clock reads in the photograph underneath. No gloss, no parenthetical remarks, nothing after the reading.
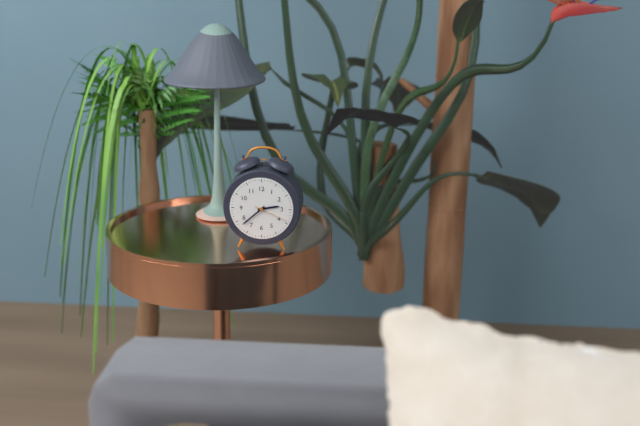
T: 2:38
